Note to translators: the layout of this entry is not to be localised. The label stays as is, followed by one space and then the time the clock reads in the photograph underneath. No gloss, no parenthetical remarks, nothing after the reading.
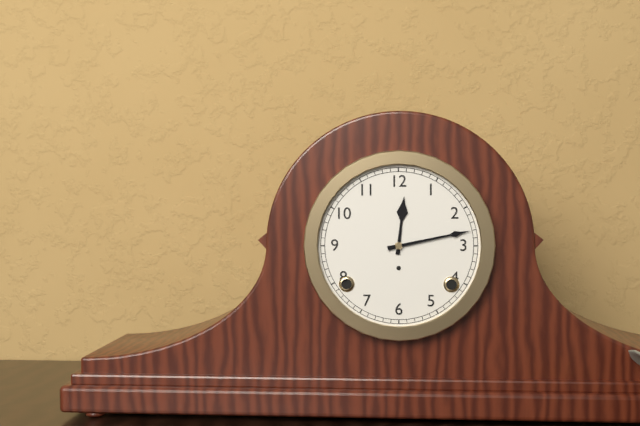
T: 12:13
